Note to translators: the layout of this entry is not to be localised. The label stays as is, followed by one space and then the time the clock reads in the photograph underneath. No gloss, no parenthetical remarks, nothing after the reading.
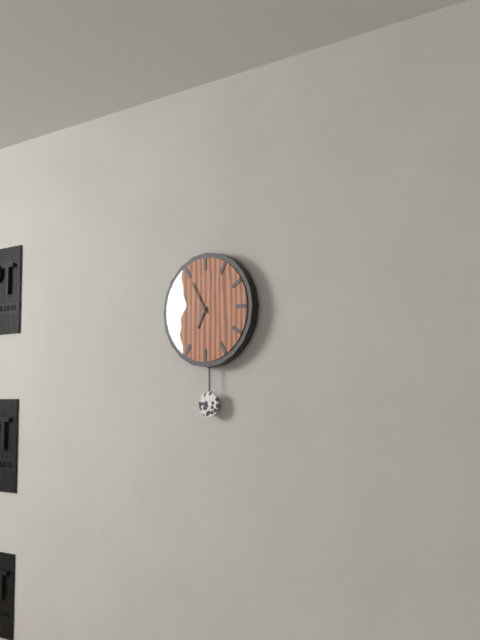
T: 6:55
